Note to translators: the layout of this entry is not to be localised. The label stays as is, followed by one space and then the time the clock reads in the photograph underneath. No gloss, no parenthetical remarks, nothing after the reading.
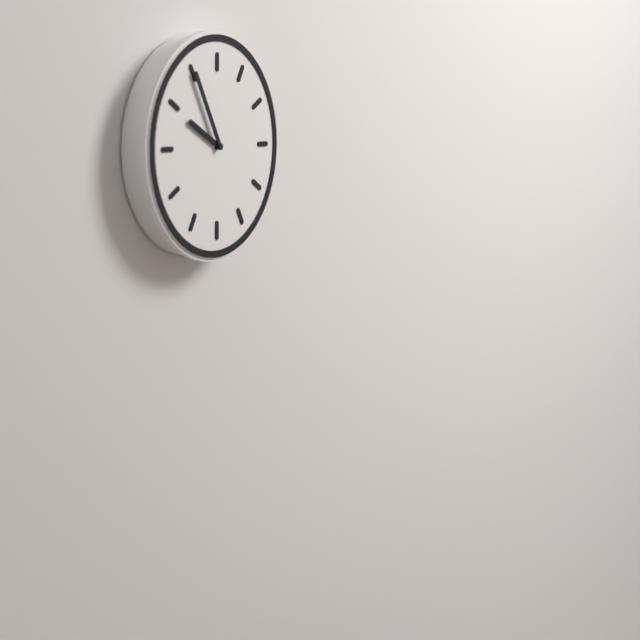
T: 9:55
